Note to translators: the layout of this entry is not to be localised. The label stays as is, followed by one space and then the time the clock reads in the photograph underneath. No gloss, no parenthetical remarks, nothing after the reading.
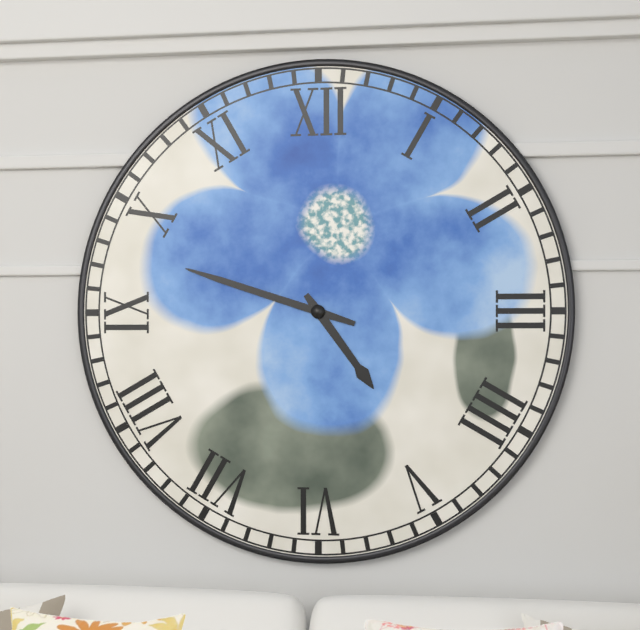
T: 4:48
